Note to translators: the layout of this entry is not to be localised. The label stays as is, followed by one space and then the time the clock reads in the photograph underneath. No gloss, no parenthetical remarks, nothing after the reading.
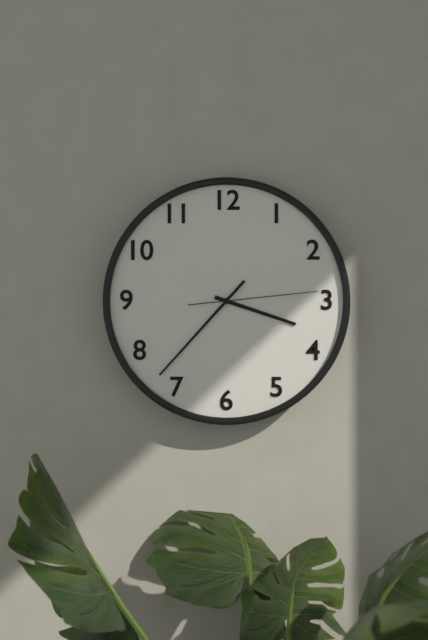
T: 3:37:14
